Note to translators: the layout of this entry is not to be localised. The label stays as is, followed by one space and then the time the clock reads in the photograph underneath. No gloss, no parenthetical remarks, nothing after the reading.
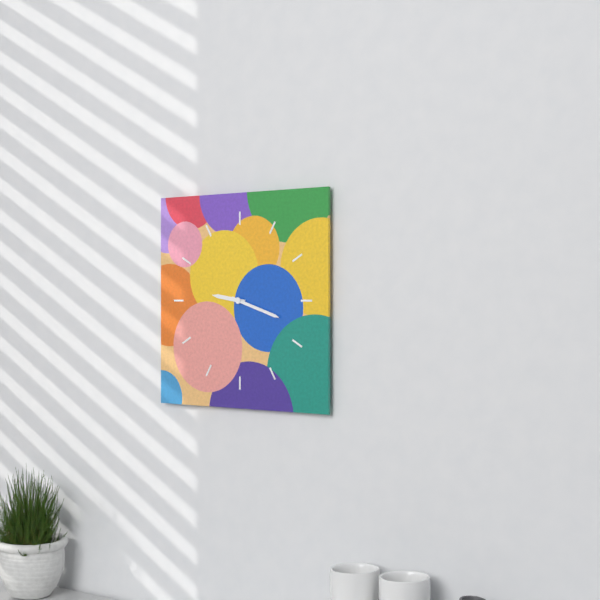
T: 9:18
